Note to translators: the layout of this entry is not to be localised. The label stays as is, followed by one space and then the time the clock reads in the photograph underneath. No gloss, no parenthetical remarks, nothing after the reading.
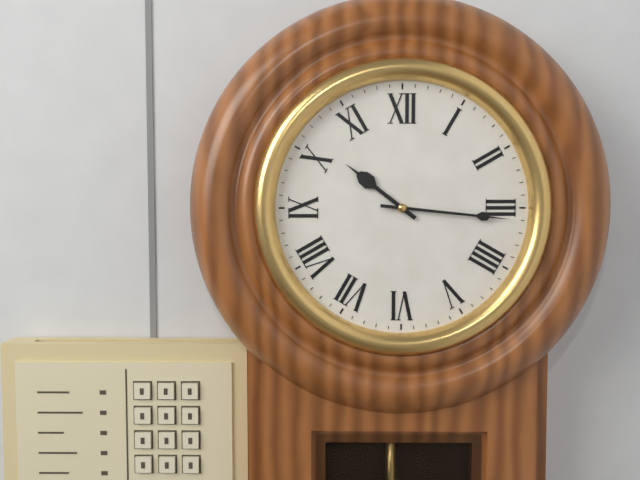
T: 10:16
